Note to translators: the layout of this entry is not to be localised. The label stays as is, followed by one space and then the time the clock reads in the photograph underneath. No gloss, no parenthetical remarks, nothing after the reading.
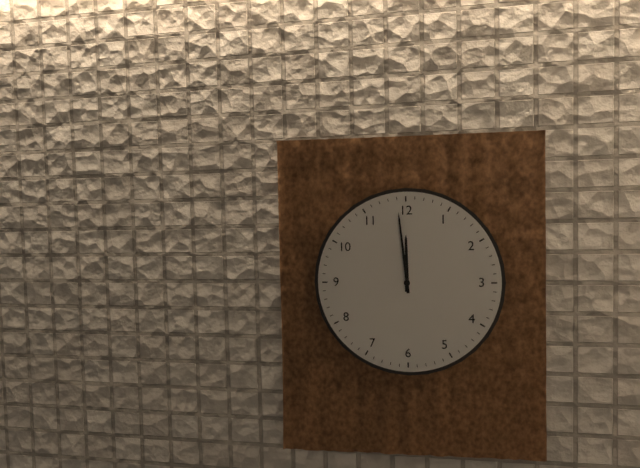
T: 11:59
